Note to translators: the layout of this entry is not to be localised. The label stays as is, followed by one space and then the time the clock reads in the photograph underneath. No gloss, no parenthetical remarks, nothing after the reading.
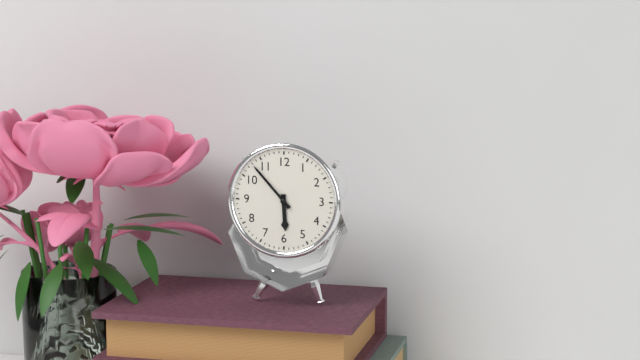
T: 5:53
